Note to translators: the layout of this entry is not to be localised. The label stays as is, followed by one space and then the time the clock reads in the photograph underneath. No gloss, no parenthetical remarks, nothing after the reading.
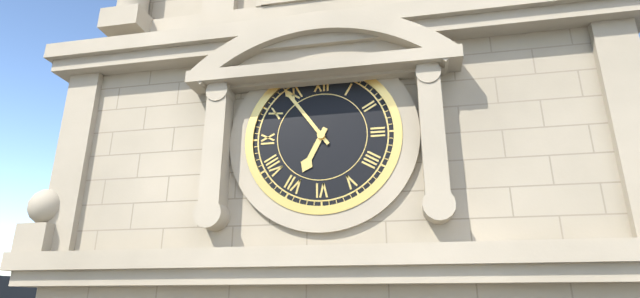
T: 6:54
